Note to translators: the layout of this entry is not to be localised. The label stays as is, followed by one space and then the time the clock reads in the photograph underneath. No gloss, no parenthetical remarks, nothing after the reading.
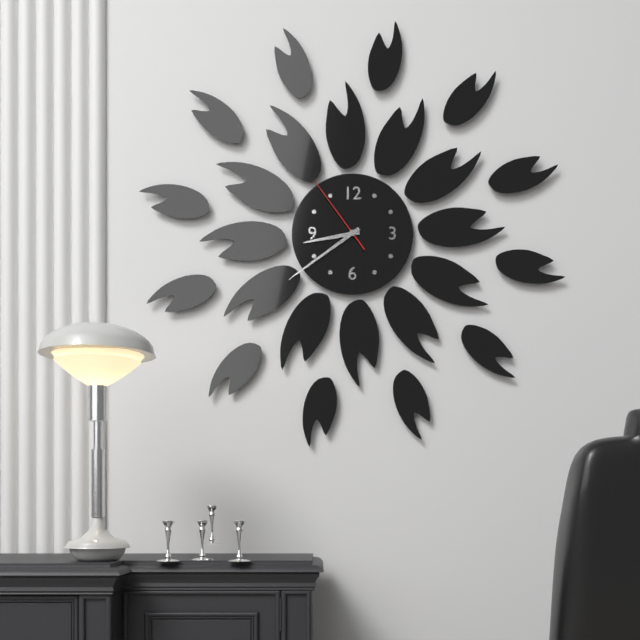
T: 8:39:54
